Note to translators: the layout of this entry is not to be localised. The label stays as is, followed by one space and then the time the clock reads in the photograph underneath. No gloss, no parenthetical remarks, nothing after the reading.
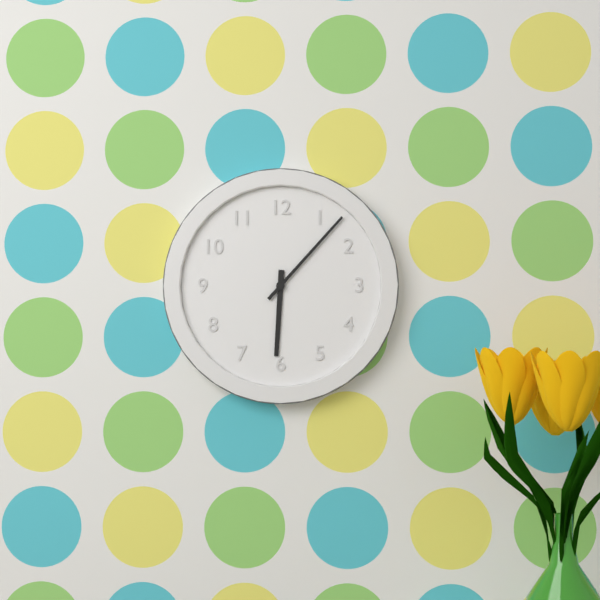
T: 6:07
